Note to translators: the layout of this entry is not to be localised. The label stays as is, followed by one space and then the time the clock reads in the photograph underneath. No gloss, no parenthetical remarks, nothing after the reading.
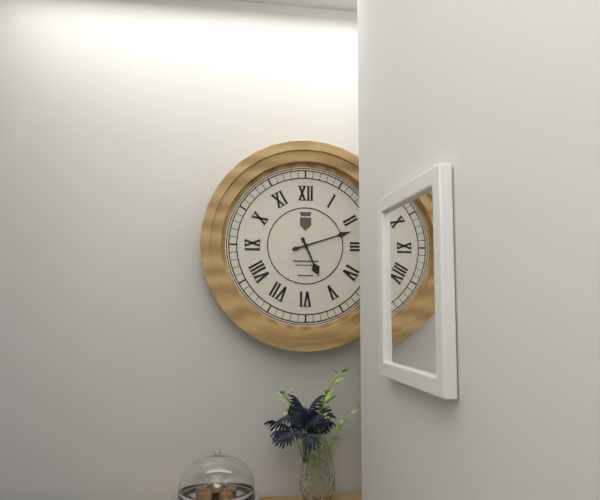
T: 5:12
